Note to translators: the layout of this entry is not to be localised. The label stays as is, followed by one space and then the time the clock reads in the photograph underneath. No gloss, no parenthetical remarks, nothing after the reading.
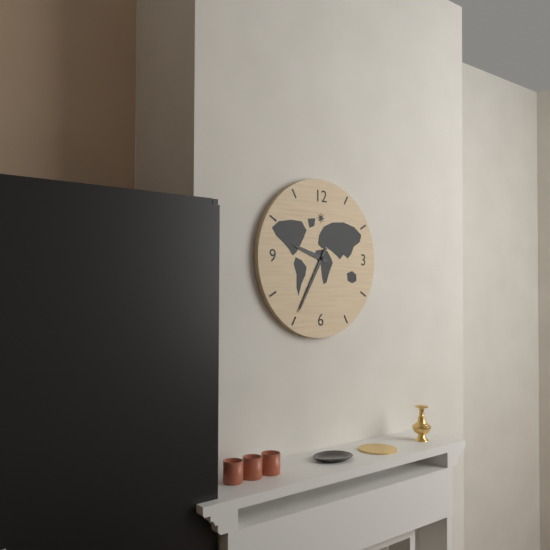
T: 9:35
